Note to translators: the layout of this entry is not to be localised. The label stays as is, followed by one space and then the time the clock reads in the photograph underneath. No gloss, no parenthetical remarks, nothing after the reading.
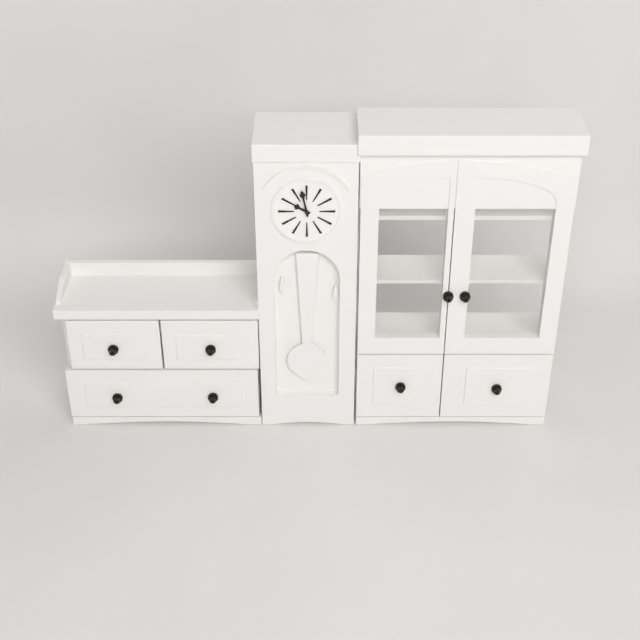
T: 9:58
